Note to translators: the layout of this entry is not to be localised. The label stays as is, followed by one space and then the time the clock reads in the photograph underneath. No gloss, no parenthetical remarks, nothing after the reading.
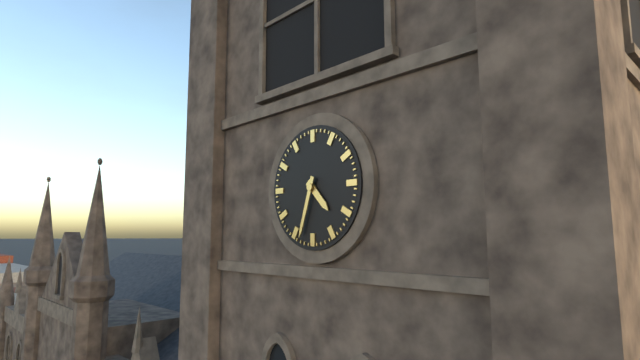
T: 4:33
